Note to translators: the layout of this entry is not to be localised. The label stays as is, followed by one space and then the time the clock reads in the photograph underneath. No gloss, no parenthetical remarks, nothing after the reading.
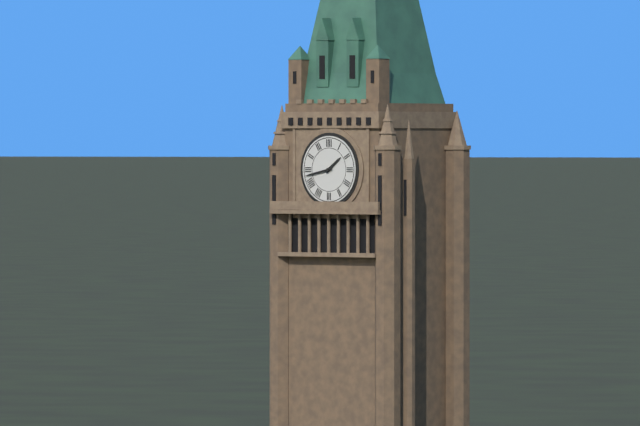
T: 1:43
